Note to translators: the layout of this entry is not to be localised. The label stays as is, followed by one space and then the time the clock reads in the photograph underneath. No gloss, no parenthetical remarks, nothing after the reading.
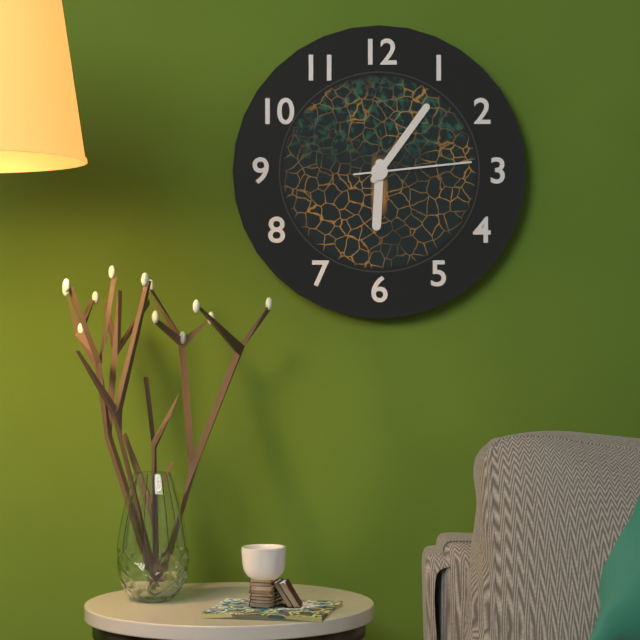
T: 6:06:14
